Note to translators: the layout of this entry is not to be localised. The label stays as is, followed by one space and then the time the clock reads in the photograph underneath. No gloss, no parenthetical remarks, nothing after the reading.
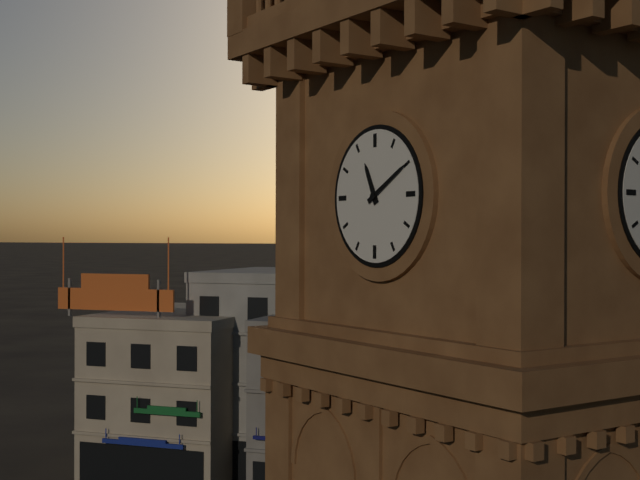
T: 11:10
